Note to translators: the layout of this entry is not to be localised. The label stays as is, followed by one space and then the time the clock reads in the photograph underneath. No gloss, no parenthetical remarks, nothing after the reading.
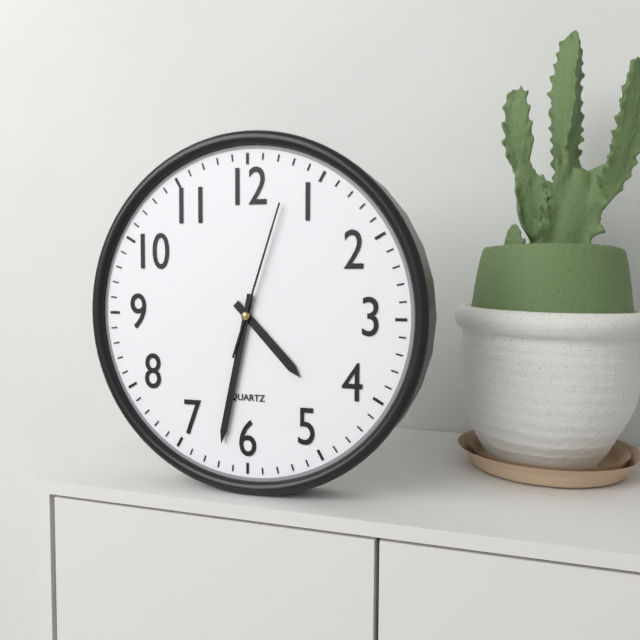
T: 4:32:03
